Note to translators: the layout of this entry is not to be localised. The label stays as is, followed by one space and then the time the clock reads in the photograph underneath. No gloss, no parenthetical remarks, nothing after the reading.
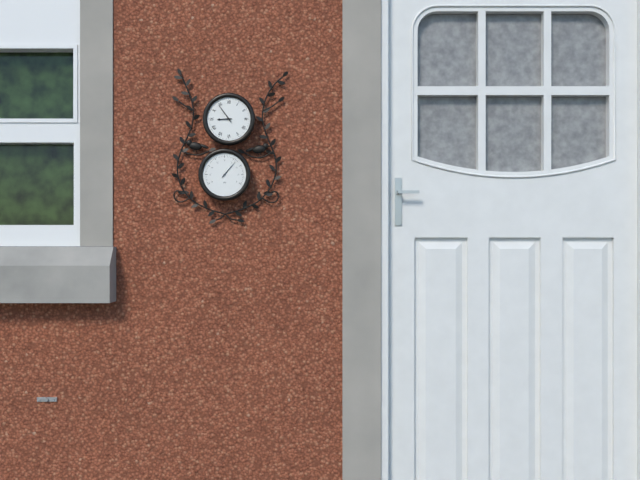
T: 8:54
